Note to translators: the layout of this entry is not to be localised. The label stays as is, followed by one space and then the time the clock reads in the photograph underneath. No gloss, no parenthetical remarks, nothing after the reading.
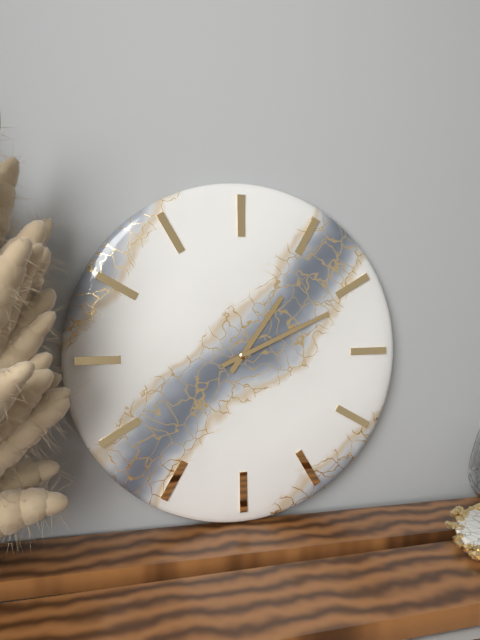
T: 1:11
